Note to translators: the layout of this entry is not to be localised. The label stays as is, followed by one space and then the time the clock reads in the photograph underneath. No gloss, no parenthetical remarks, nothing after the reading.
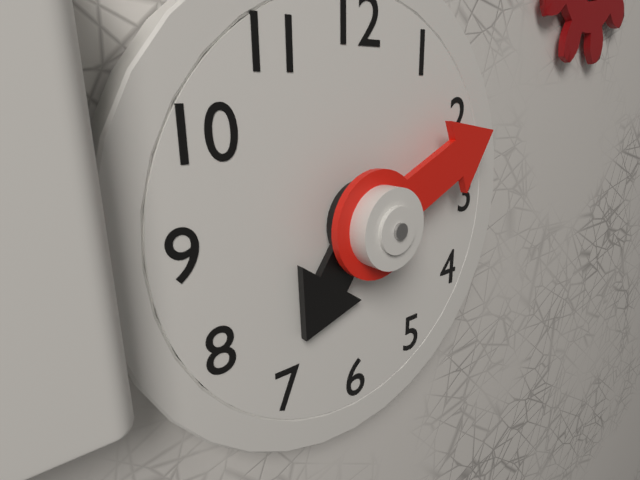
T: 7:11
